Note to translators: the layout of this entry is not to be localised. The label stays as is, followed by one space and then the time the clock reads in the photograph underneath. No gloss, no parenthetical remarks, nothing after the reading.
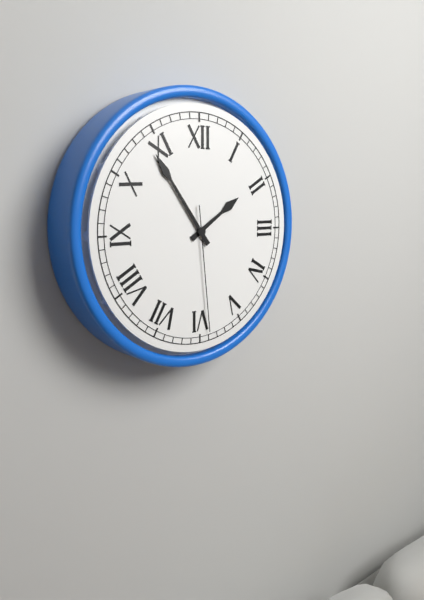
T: 1:54:29
